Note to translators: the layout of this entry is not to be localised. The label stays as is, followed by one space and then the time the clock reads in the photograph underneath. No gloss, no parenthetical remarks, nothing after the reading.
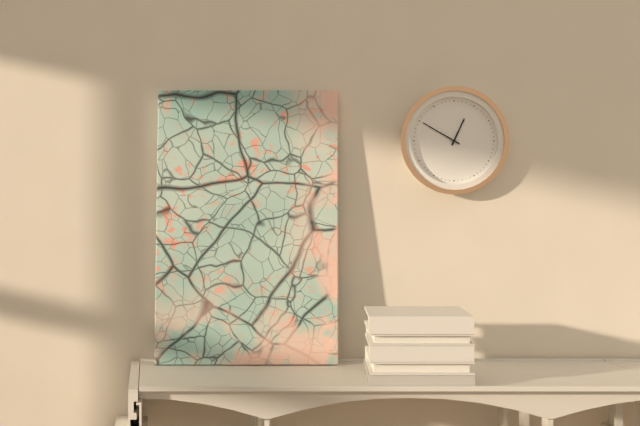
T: 12:50
